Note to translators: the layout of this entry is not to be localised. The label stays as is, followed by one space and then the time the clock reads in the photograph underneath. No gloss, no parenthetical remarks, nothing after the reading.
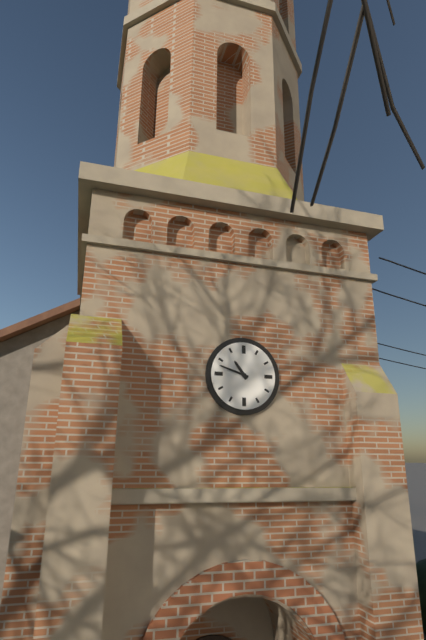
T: 10:48
